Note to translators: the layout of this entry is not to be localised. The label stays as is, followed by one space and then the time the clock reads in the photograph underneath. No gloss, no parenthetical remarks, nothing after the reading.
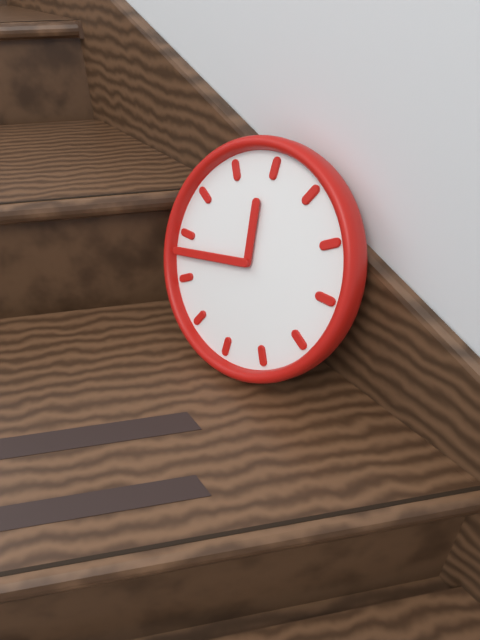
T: 11:43
